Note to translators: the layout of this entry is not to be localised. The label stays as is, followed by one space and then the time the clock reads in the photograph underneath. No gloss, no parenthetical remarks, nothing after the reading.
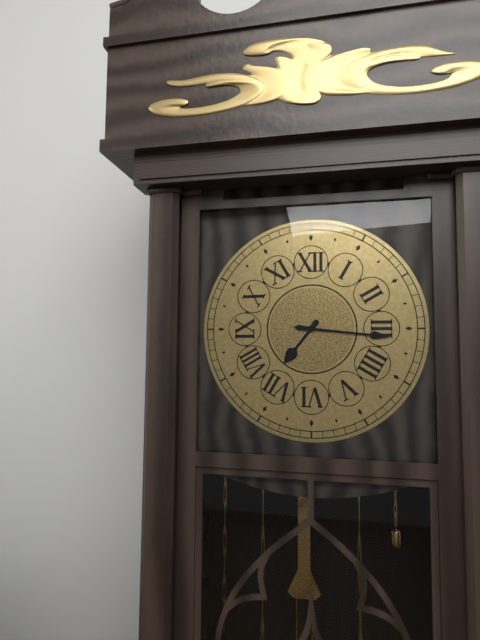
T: 7:16
